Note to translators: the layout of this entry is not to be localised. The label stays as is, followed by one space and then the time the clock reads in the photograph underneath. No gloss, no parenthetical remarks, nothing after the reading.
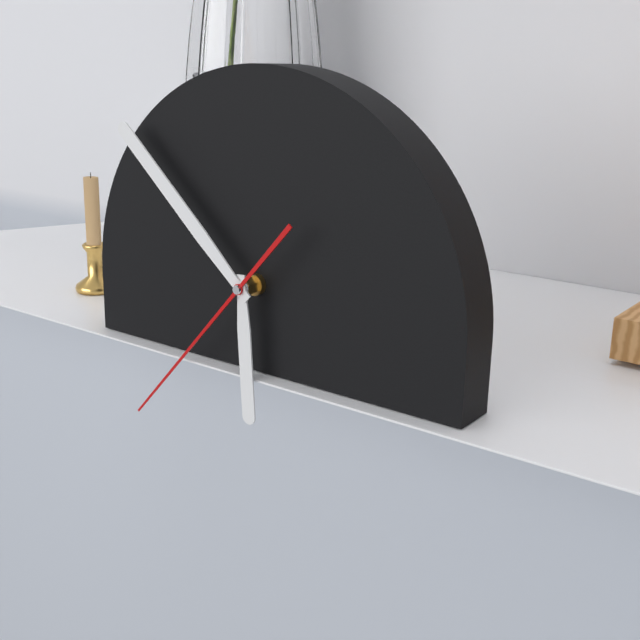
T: 5:52:37
